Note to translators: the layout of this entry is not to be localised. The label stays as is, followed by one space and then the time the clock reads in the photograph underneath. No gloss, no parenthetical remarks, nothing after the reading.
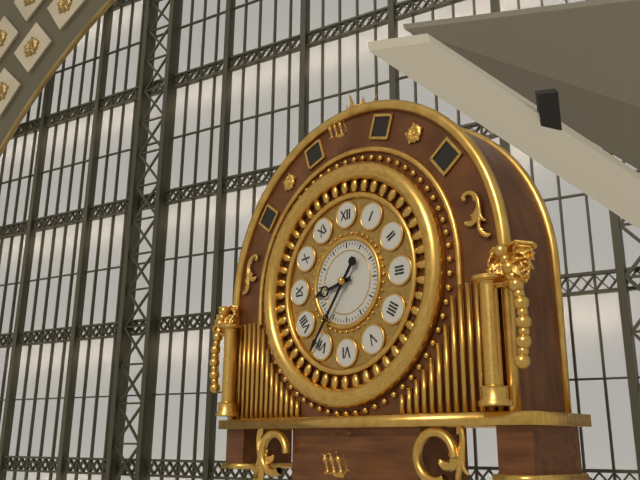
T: 8:36
